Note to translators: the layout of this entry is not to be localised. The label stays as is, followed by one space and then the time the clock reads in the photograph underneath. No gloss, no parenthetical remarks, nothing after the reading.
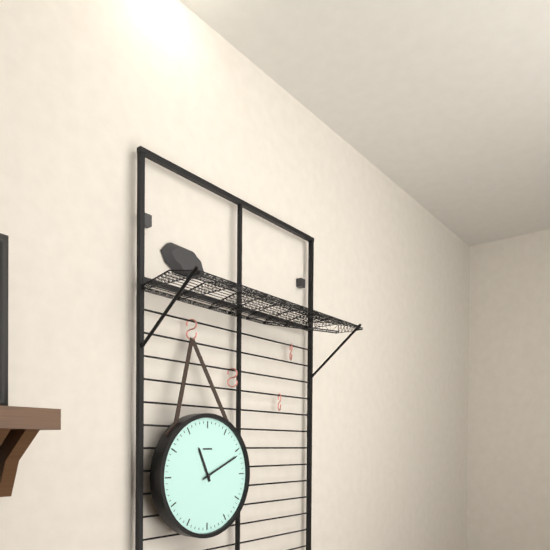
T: 11:11
